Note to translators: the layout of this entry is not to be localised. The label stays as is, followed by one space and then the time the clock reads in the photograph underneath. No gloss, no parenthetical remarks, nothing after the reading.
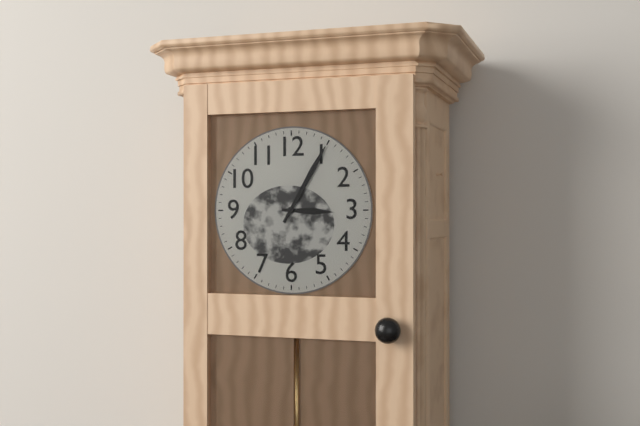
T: 3:05
